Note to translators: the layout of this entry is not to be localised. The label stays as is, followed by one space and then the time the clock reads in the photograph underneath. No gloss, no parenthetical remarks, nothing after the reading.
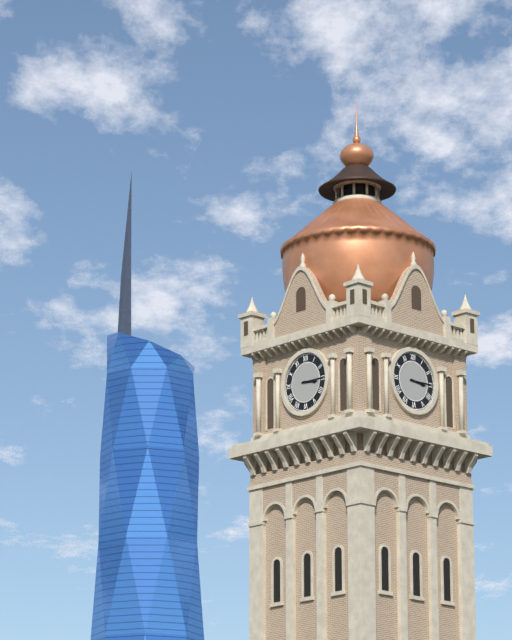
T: 3:15
